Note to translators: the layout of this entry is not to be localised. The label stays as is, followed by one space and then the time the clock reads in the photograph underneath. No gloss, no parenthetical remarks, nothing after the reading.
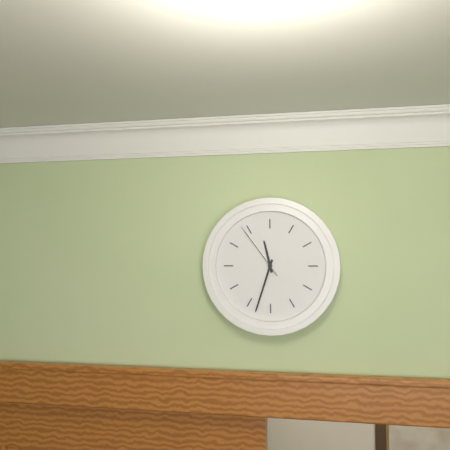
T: 11:33:54
